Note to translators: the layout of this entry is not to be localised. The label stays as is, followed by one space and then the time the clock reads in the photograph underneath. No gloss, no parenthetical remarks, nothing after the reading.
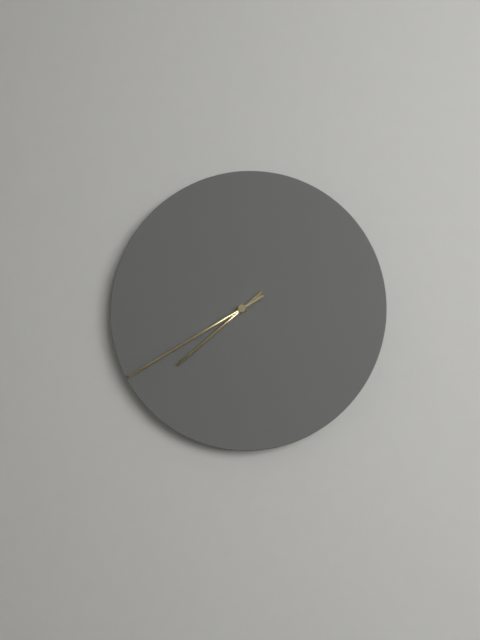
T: 7:40
